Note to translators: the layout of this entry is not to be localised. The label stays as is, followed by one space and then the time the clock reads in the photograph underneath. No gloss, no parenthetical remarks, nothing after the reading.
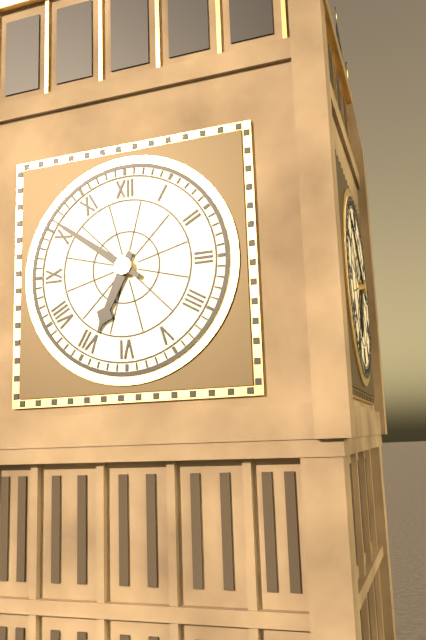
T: 6:51
